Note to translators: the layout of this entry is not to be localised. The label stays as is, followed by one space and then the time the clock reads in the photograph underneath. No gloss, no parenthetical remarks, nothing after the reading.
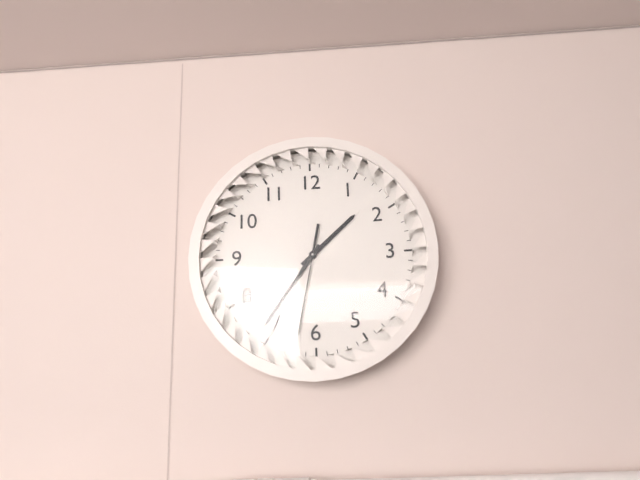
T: 1:36:32
